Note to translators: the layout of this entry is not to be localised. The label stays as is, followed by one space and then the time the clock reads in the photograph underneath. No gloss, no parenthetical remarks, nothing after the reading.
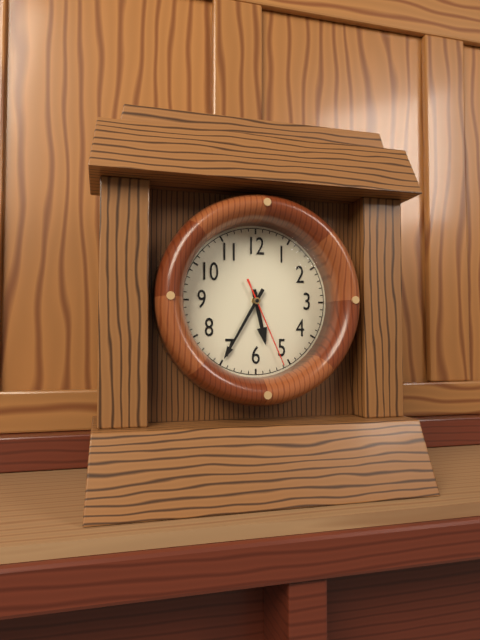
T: 5:35:26
